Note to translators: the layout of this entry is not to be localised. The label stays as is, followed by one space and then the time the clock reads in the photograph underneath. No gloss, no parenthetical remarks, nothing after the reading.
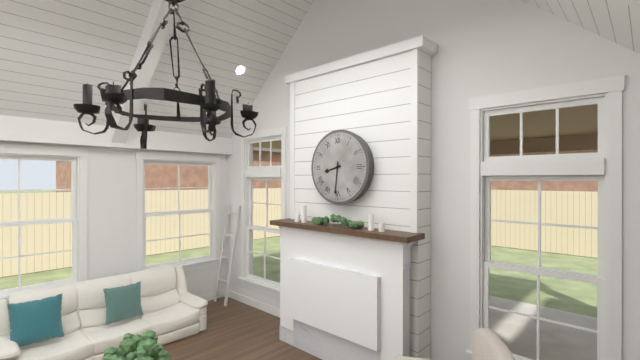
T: 8:31
